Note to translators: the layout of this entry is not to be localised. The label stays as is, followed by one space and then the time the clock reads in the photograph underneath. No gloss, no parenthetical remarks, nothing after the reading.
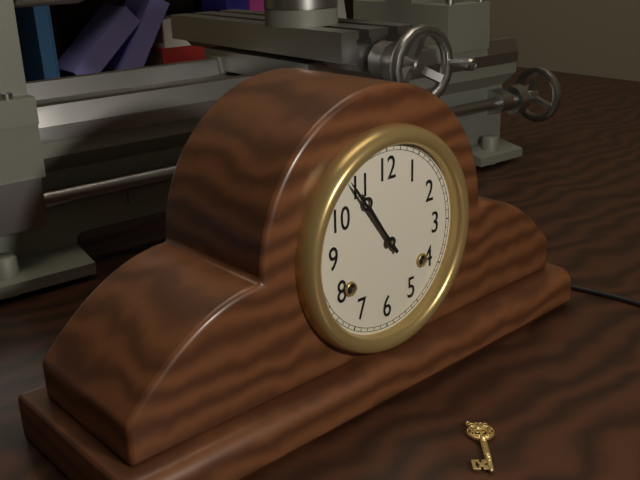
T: 10:54
